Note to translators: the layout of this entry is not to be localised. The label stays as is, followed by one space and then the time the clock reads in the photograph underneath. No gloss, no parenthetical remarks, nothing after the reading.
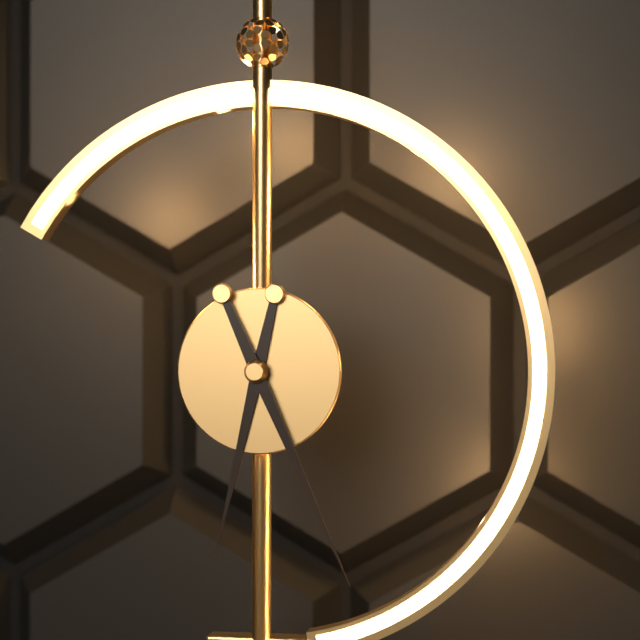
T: 6:26
